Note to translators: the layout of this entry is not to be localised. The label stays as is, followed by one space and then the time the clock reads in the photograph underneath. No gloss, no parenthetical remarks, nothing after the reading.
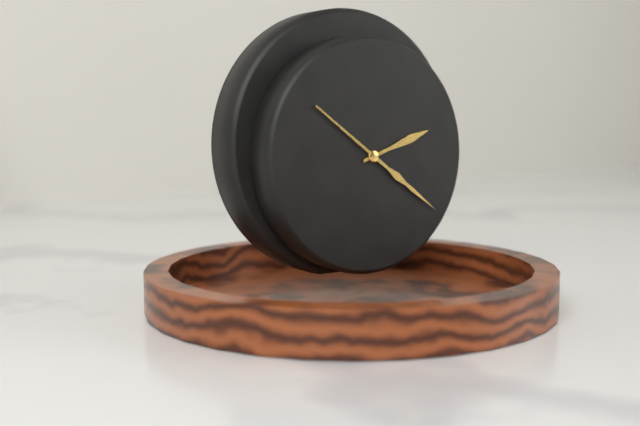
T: 2:21
